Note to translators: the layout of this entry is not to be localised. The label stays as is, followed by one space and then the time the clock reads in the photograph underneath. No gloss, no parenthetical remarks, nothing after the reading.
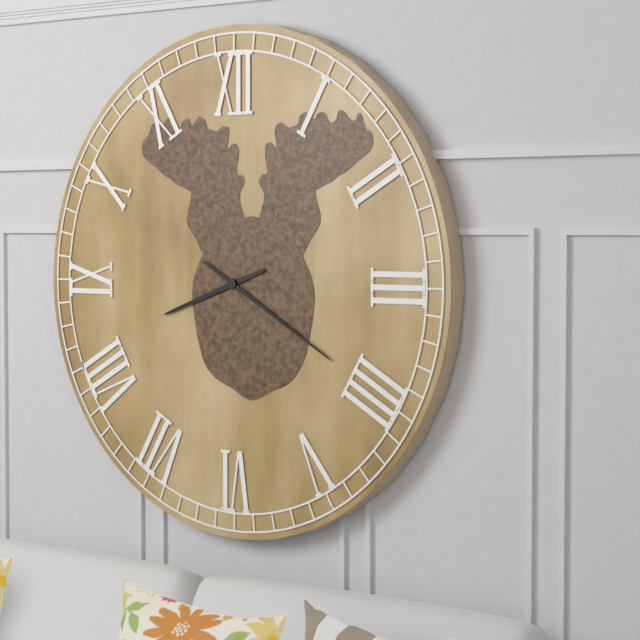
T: 8:20
